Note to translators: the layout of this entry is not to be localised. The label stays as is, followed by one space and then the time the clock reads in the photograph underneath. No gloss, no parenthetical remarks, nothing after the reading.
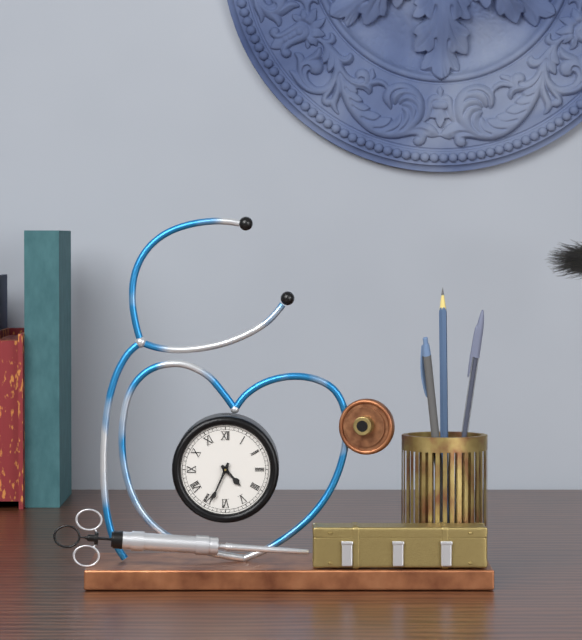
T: 4:34
